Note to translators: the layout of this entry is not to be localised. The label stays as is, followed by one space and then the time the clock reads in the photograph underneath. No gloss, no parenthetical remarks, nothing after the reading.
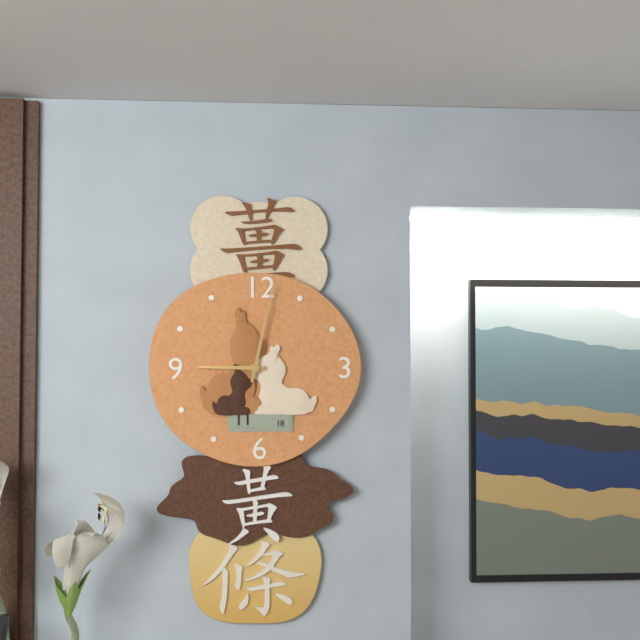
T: 9:02
